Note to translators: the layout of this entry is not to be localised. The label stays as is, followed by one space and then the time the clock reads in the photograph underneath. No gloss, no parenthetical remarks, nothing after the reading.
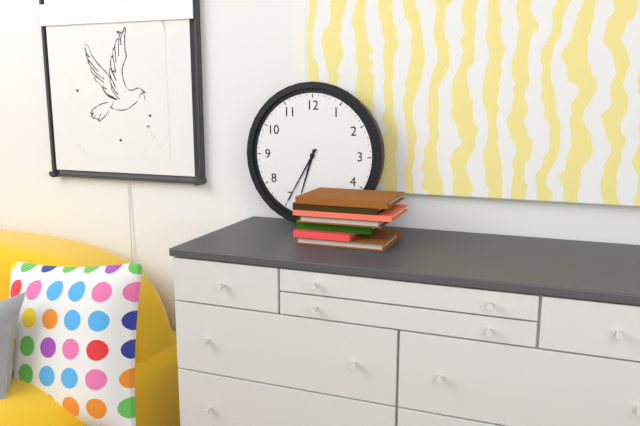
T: 6:35
